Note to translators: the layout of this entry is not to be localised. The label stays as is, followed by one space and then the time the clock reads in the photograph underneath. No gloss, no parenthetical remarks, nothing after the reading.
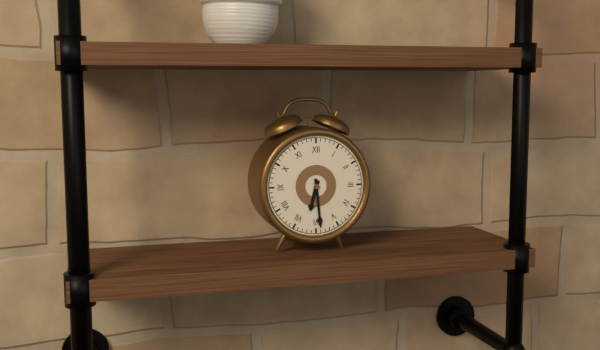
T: 6:29
